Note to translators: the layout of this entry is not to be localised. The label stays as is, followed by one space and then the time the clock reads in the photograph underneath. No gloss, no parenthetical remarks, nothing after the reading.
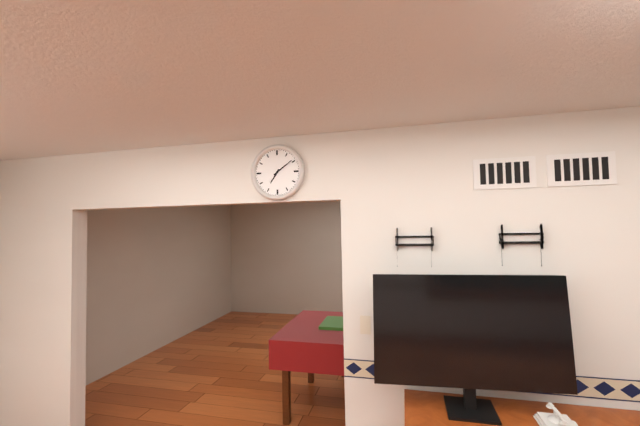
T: 7:09
